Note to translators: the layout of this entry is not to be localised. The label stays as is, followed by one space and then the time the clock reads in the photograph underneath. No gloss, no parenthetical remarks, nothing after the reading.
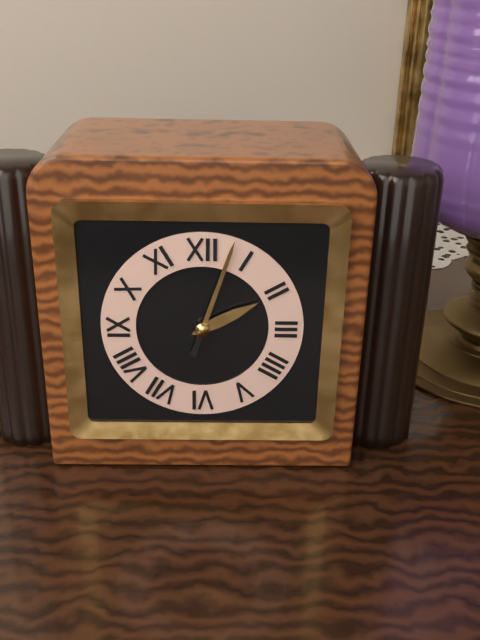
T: 2:03
